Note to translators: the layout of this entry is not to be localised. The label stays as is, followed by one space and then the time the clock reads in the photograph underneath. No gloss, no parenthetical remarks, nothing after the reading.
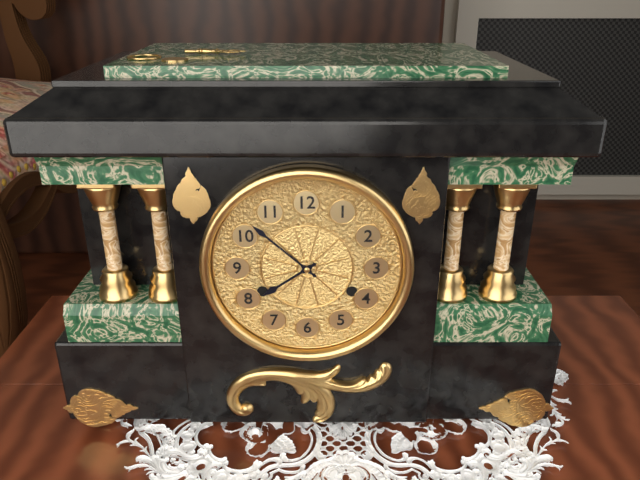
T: 7:52
